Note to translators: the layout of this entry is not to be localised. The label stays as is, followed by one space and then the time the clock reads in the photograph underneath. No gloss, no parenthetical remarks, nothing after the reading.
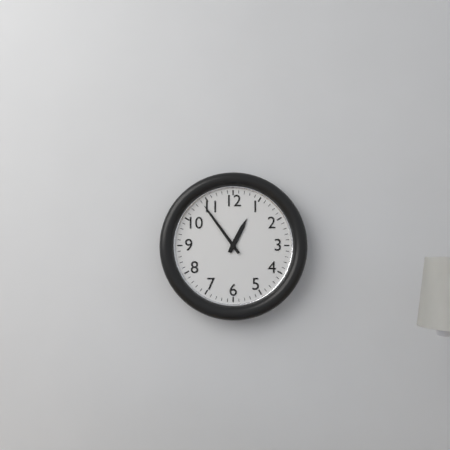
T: 12:54
